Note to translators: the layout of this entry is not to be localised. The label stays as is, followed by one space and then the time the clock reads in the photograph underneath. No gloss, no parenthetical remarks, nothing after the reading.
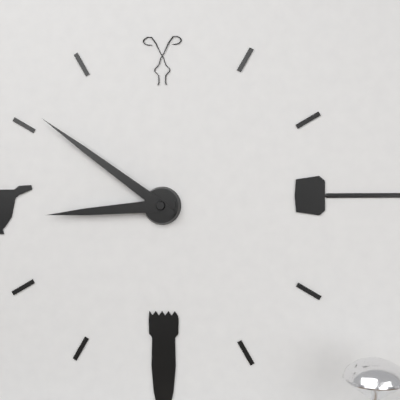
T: 8:51
